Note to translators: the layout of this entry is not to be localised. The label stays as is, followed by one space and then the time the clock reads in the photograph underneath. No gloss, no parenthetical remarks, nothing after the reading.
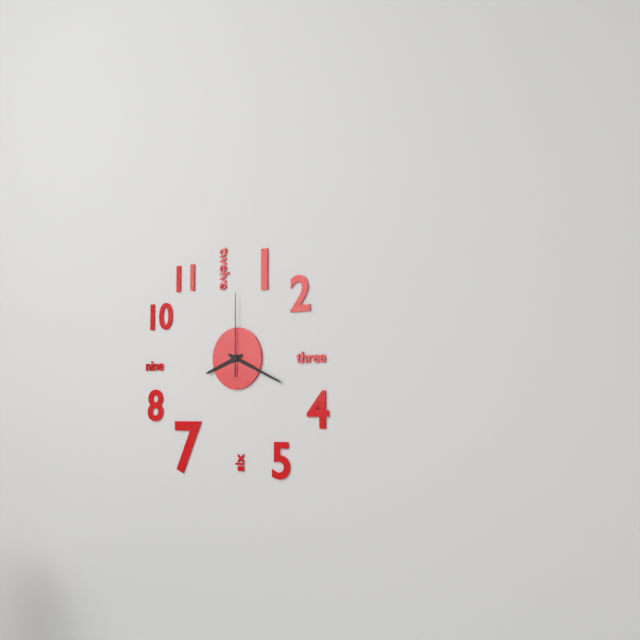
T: 8:19:00
